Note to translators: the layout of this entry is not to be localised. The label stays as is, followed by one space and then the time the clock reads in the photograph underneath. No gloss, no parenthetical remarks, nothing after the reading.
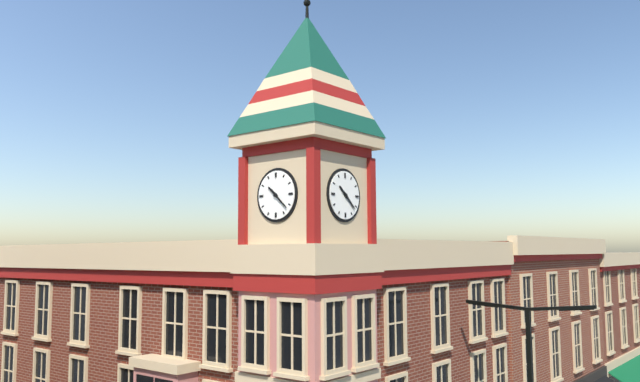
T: 10:22
